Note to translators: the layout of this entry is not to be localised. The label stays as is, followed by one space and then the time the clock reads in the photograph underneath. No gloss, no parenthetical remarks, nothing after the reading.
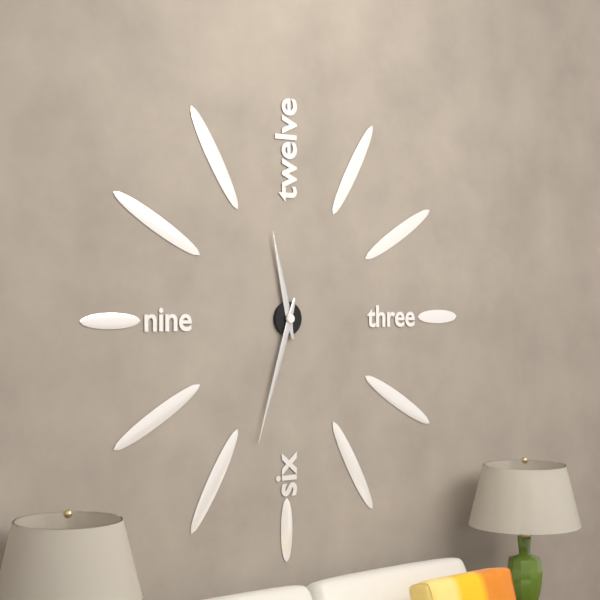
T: 11:33
